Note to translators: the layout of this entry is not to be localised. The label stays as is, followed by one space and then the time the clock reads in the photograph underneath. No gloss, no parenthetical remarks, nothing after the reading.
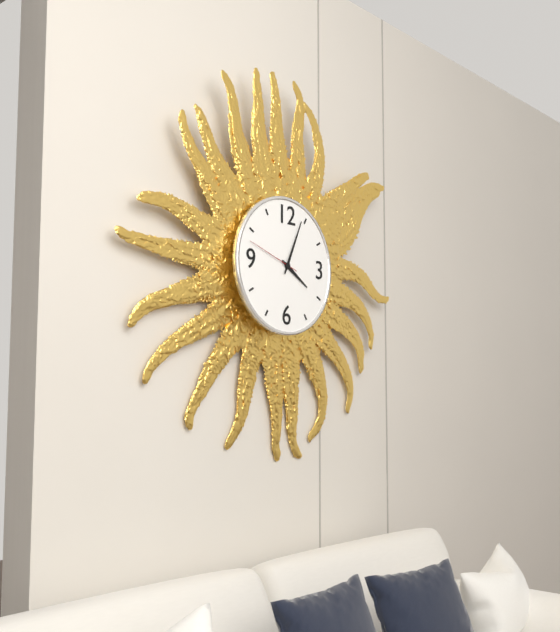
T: 4:04:48
